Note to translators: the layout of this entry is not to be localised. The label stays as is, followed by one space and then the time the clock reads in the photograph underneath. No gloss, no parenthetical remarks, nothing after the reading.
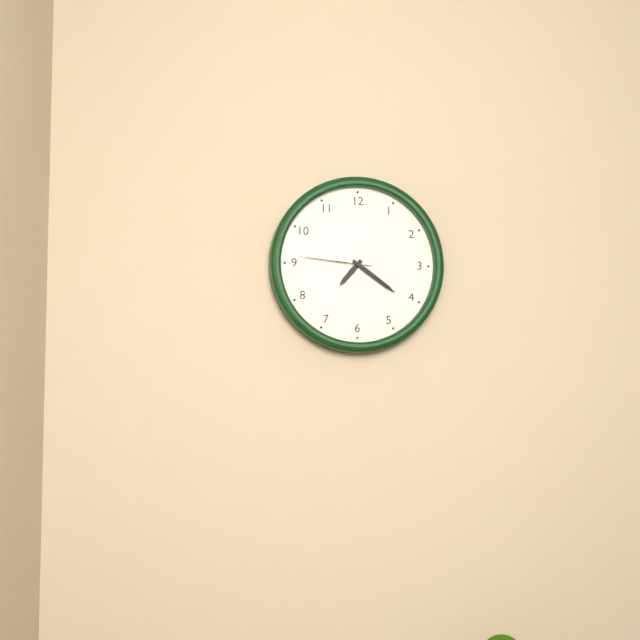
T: 7:21:46
